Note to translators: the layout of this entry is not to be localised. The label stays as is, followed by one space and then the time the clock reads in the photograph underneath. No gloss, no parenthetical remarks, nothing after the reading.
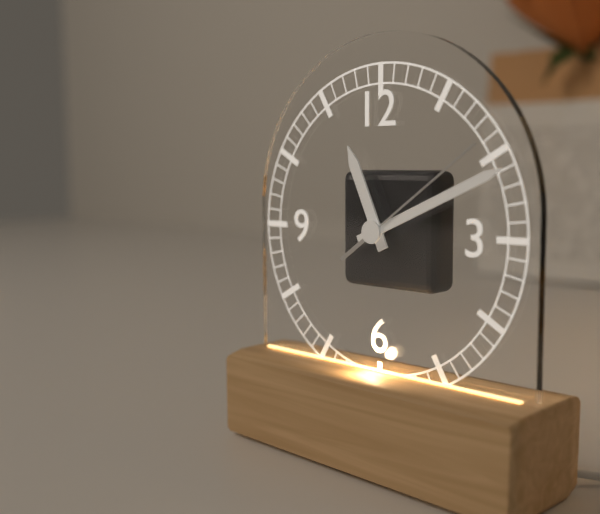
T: 11:11:09
